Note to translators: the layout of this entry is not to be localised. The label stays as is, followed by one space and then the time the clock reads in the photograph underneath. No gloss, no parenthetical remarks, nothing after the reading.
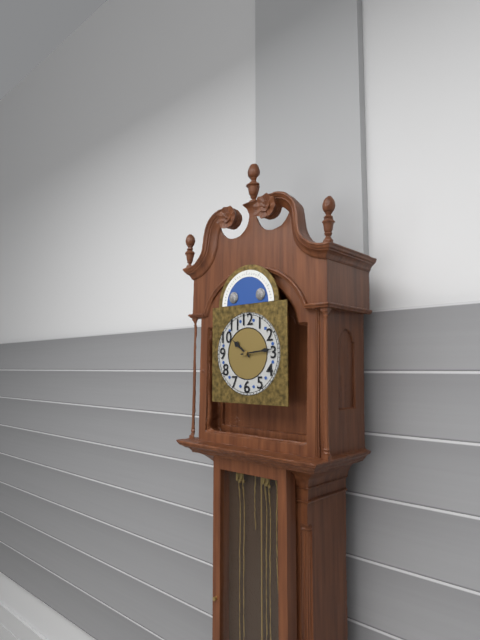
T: 10:14
